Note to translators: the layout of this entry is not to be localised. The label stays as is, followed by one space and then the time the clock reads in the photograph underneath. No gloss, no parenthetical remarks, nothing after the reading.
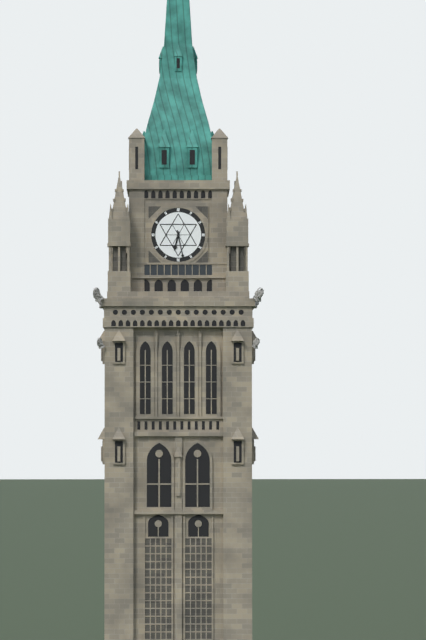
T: 6:28
